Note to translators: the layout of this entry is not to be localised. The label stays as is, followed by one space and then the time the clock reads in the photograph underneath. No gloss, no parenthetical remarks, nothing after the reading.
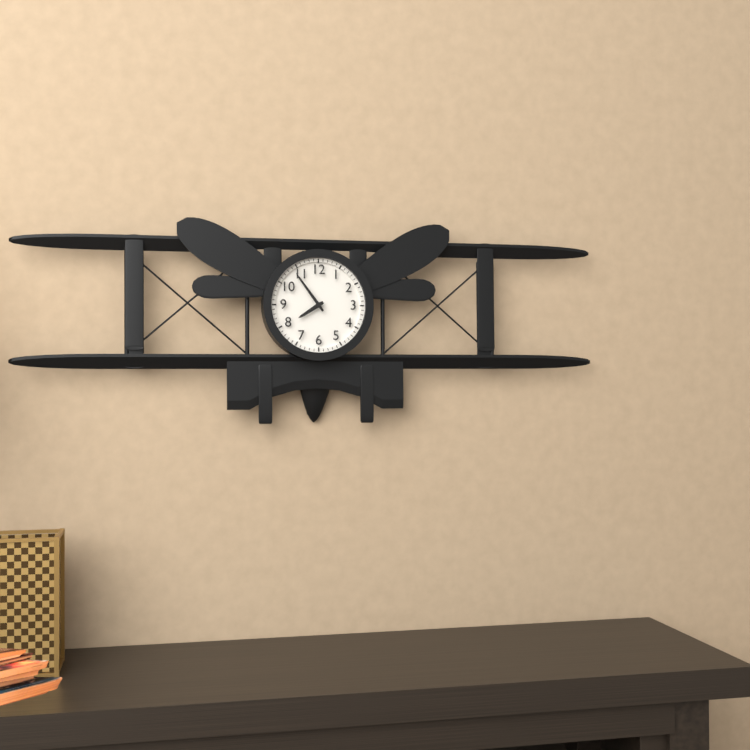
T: 7:54
